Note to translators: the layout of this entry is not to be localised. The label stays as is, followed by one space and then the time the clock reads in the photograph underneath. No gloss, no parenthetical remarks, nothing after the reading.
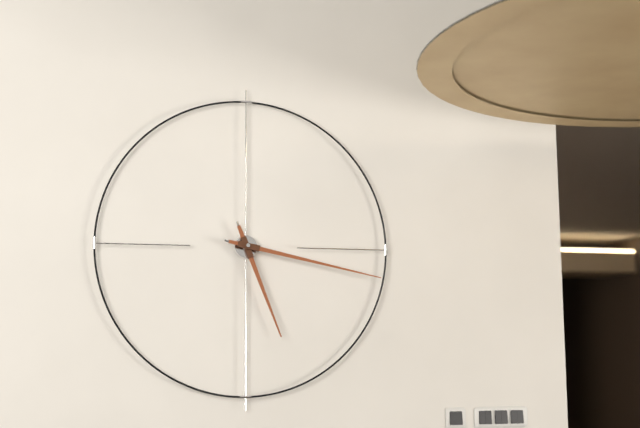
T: 5:17
